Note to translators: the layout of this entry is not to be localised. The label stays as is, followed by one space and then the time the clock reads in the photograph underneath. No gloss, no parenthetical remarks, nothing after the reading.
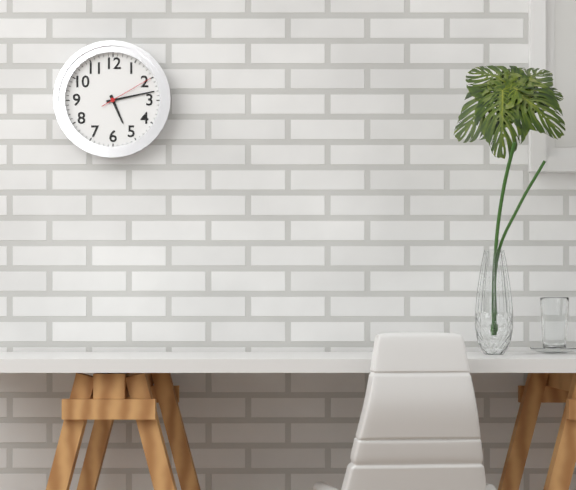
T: 5:13:10
